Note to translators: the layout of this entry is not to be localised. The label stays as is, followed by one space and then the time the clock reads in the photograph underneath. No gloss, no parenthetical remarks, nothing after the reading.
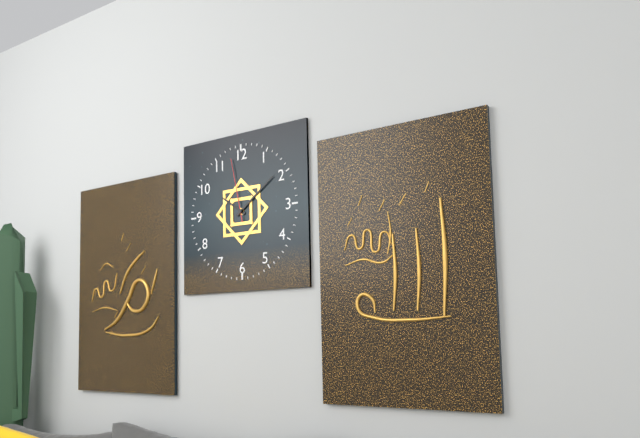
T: 10:09:58
